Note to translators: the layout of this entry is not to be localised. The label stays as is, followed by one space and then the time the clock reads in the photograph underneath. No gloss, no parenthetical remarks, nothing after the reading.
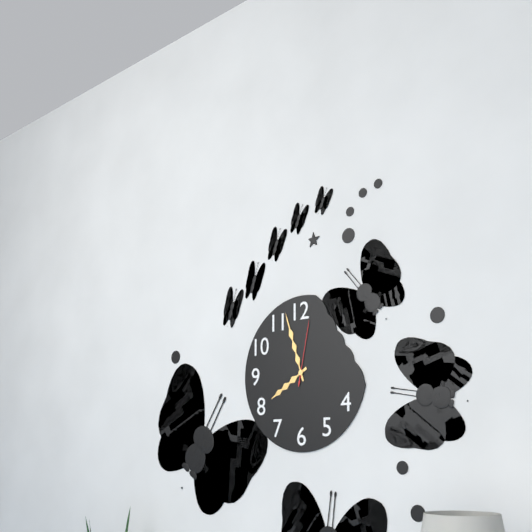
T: 7:57:02
